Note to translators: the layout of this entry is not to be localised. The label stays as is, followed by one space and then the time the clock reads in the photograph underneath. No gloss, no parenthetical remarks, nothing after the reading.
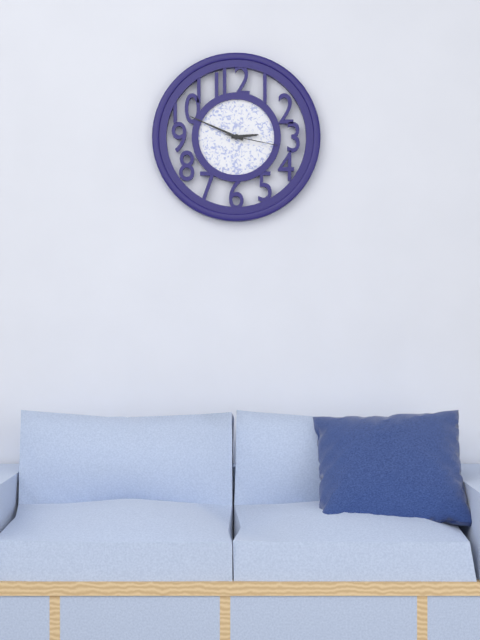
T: 2:49:17
